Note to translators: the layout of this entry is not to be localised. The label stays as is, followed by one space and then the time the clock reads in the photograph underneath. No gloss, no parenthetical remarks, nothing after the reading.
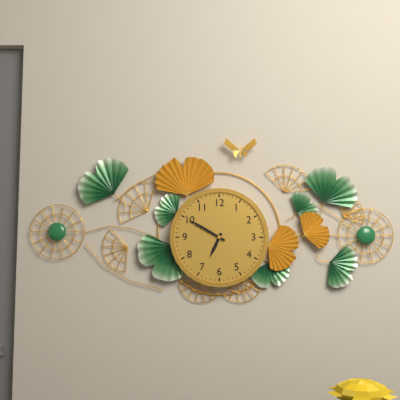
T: 6:50
